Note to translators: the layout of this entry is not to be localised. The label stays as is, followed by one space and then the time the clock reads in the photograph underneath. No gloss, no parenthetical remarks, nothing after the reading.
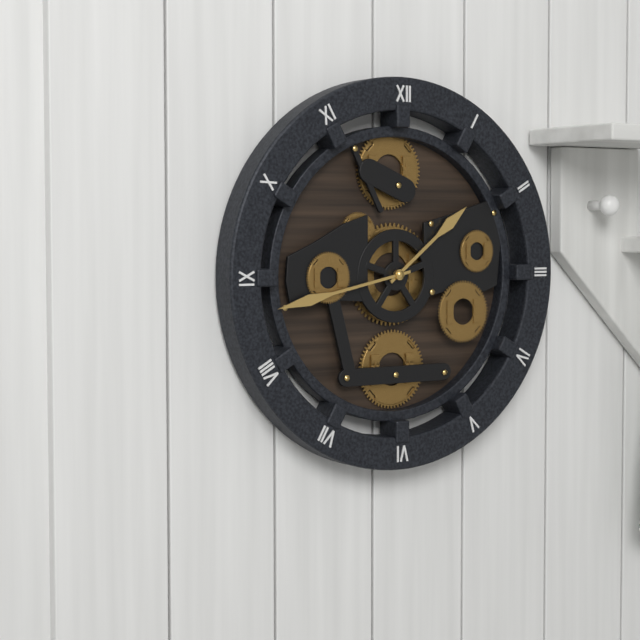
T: 1:43
